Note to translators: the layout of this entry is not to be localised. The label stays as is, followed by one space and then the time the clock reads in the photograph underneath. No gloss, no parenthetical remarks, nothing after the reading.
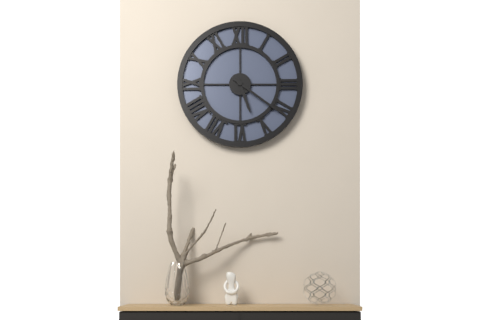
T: 5:21
